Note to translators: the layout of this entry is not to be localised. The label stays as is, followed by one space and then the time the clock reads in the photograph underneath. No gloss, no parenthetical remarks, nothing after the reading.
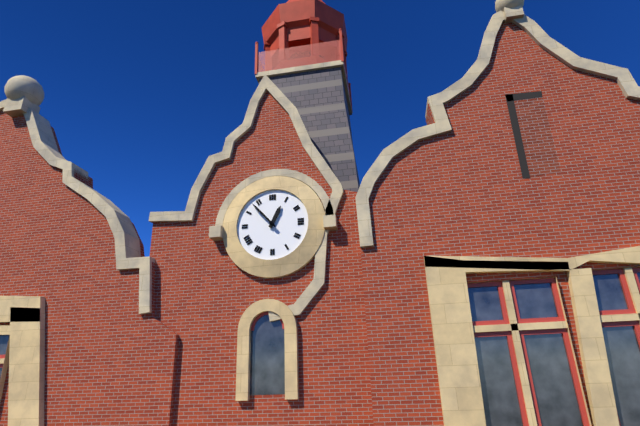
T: 12:53
